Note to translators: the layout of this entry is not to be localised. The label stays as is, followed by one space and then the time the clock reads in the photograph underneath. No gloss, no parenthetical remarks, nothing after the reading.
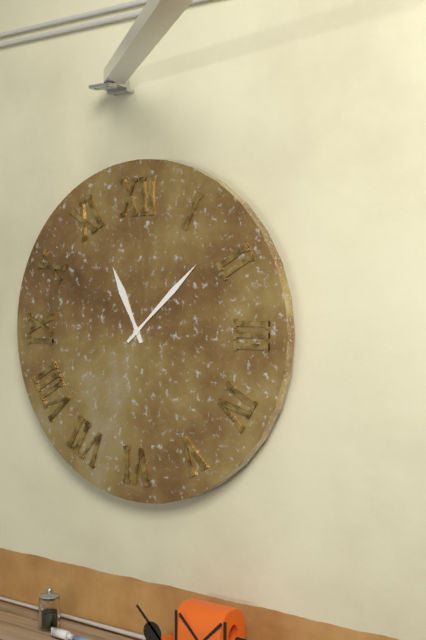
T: 11:08
